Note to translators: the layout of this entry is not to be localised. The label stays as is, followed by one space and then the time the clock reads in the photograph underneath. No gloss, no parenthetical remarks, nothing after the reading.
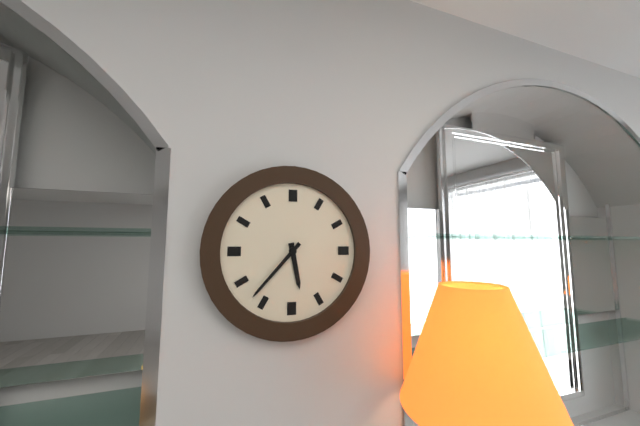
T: 5:37
